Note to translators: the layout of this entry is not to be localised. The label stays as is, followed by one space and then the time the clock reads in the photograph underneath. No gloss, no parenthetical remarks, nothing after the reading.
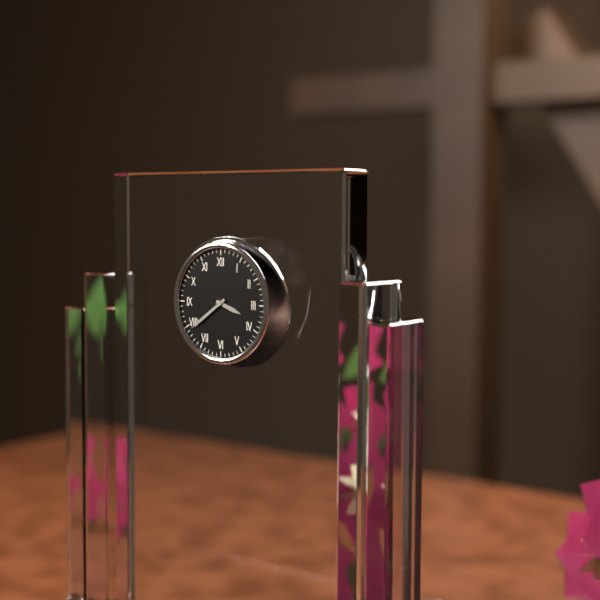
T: 3:39
